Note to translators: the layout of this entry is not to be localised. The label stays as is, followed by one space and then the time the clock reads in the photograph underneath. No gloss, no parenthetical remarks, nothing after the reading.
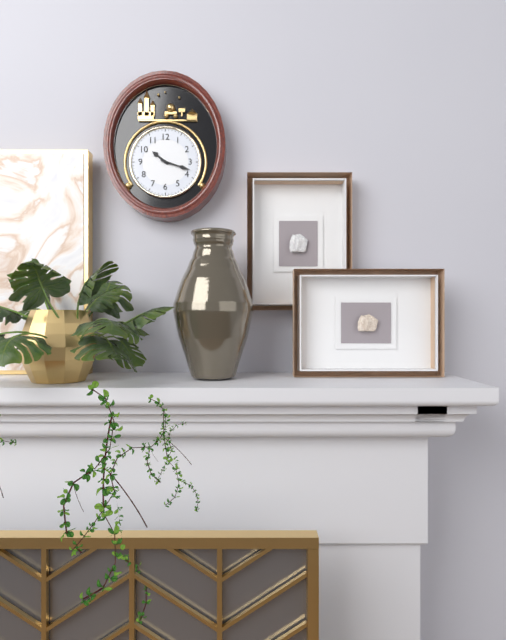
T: 10:18
